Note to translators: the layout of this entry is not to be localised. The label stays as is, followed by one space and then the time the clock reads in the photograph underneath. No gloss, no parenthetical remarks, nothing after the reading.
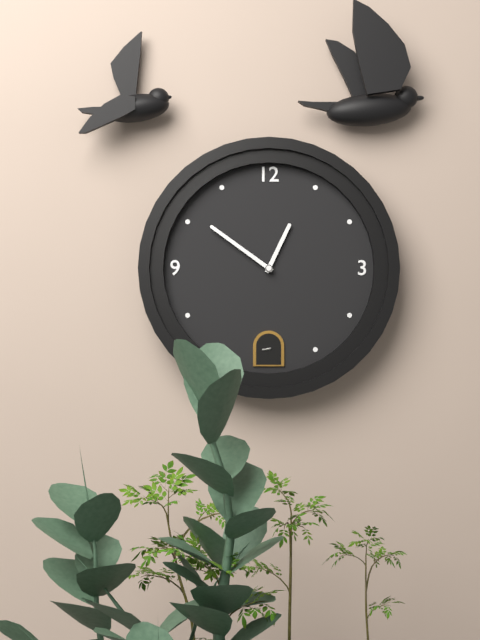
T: 12:51
